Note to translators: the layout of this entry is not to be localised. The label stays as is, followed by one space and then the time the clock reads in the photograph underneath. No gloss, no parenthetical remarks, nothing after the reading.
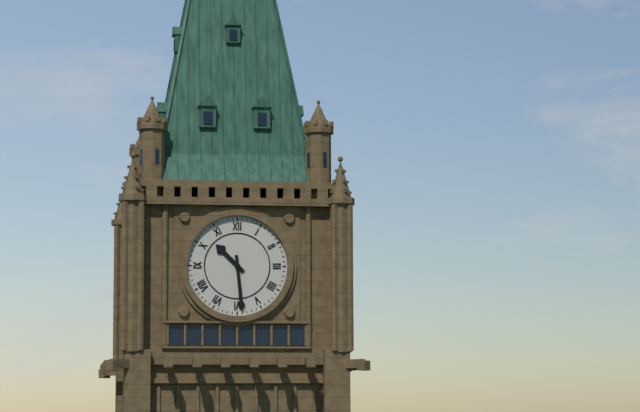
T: 10:29
